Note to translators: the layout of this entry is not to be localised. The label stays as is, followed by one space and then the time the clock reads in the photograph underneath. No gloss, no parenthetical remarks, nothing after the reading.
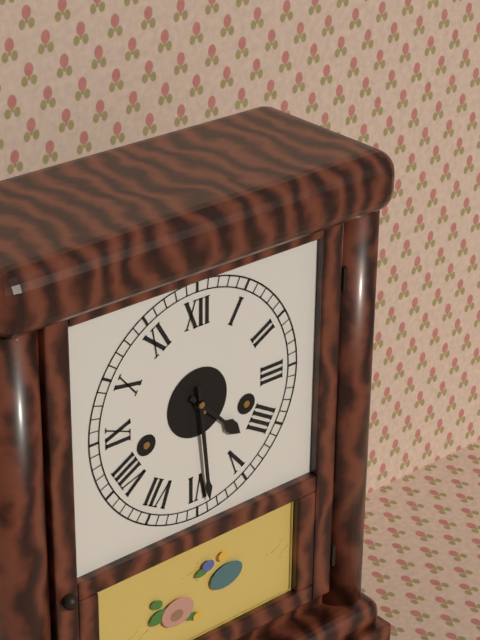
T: 4:29
